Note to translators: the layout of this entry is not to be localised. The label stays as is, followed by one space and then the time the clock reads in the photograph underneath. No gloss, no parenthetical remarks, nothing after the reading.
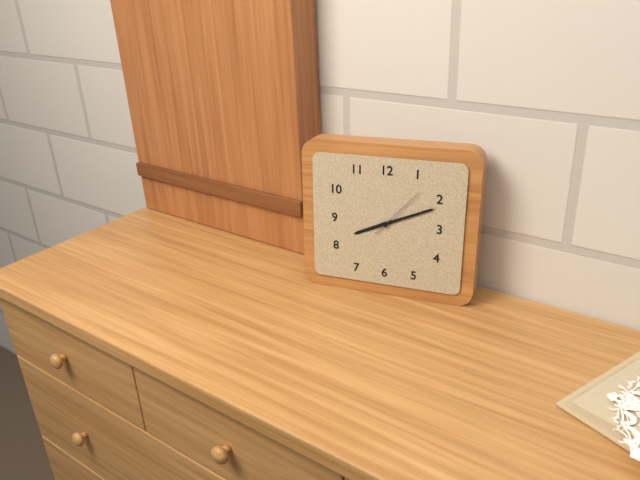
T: 8:11:07
